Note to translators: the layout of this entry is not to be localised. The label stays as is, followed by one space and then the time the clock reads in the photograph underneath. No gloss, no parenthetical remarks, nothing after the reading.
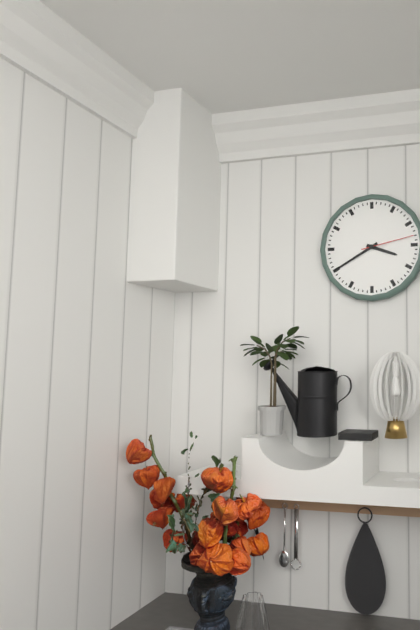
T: 3:40:13
